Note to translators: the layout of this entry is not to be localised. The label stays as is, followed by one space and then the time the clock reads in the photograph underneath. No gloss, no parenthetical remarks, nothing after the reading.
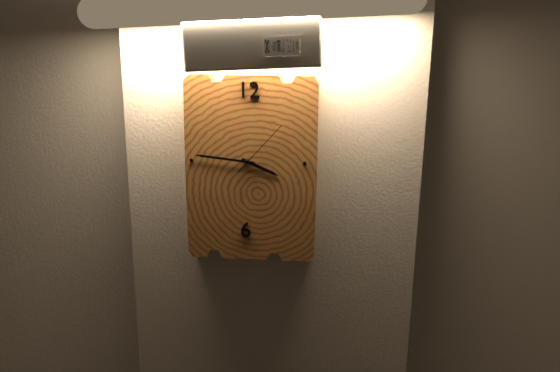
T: 3:46:07
